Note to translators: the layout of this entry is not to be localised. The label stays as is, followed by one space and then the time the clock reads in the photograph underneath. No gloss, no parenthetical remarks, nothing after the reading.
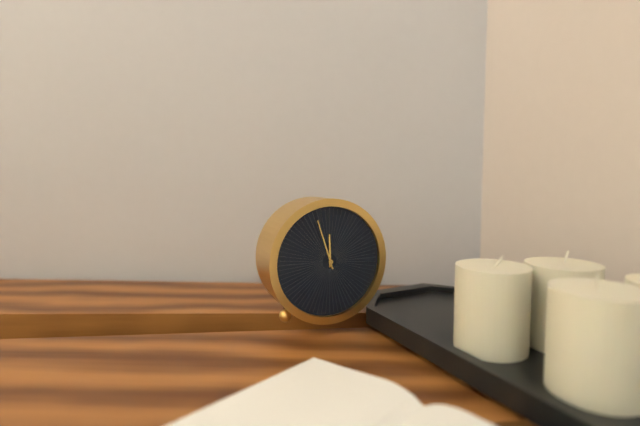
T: 11:57
